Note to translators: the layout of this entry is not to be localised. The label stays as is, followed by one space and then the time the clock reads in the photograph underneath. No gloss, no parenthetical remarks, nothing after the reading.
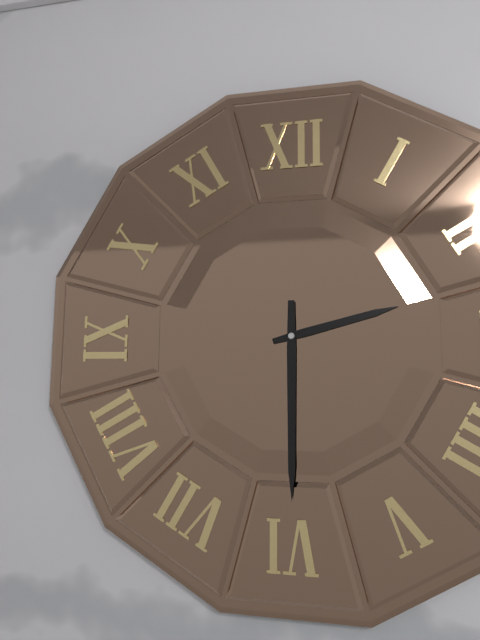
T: 2:30
